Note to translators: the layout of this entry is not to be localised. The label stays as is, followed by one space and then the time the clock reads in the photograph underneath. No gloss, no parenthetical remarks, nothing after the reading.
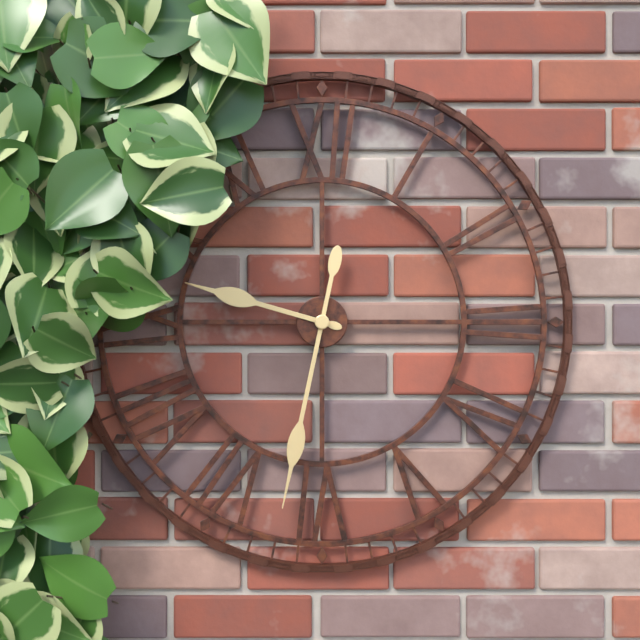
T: 9:32
